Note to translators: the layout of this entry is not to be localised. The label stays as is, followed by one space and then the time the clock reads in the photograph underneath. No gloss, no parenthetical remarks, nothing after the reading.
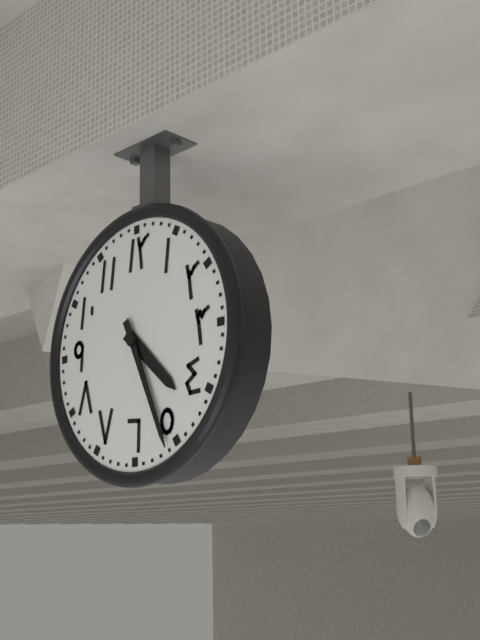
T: 4:26
